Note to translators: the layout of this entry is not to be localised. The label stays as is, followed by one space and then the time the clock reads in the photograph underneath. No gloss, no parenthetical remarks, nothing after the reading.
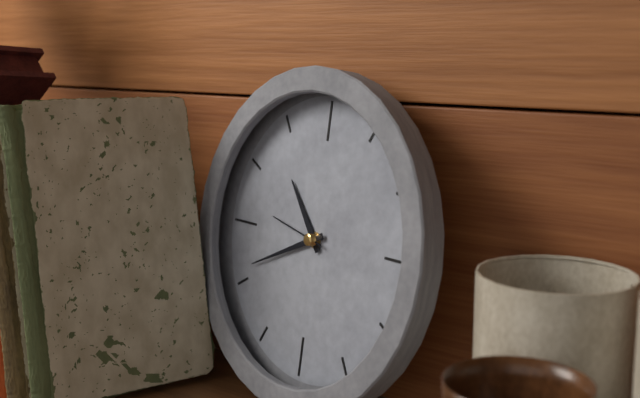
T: 10:41:47
